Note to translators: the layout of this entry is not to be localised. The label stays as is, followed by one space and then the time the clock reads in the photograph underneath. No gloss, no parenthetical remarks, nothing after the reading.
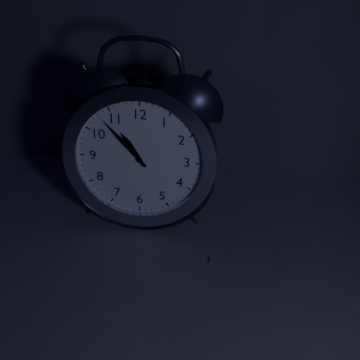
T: 10:53
